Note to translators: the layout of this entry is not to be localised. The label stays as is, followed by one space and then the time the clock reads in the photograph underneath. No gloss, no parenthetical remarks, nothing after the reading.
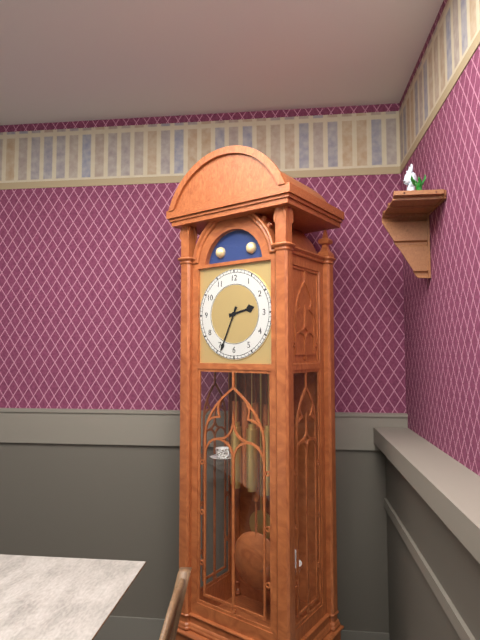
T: 2:34
